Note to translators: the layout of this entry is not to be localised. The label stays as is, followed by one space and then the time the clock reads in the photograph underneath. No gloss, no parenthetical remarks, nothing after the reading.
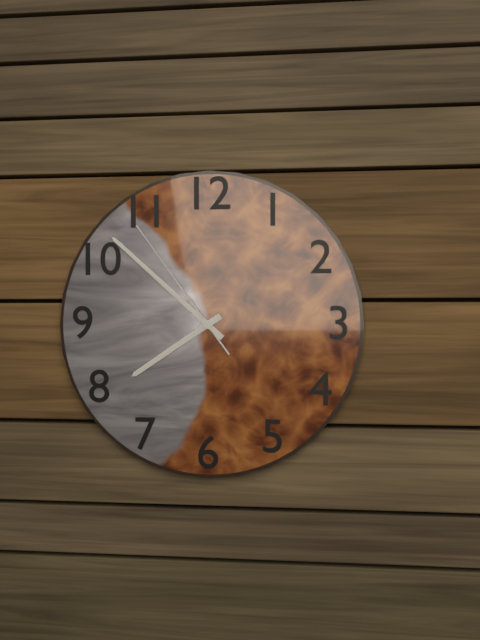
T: 7:52:54
